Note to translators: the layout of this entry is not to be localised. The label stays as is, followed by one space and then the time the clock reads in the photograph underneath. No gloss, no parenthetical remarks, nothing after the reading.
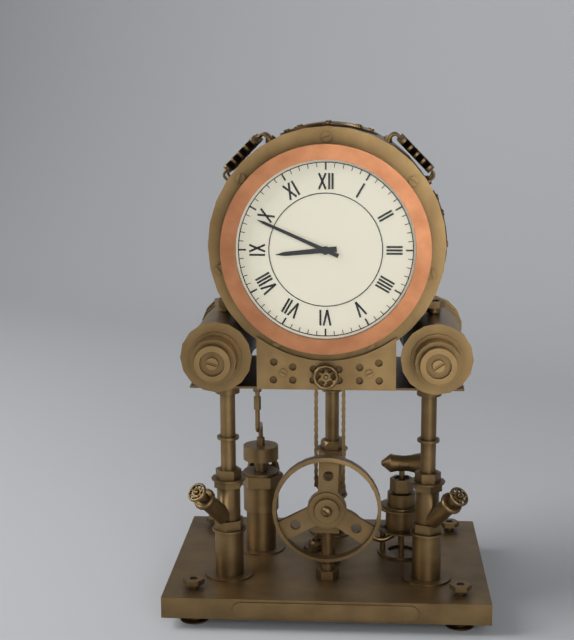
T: 8:49
